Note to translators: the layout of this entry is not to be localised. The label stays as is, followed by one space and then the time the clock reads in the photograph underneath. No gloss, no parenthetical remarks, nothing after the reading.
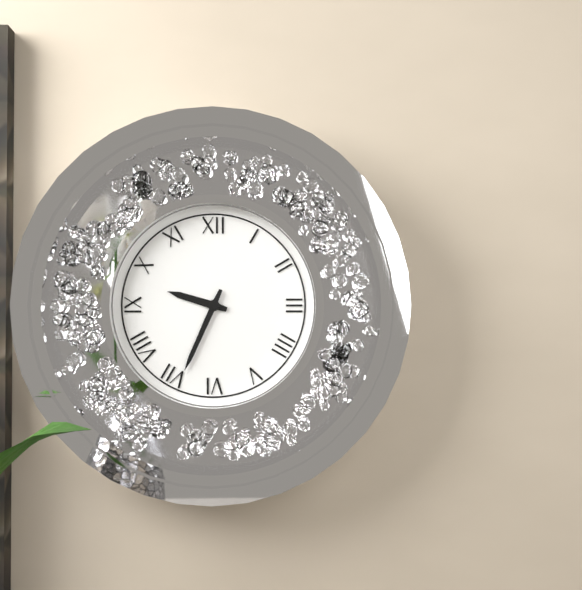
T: 9:34
